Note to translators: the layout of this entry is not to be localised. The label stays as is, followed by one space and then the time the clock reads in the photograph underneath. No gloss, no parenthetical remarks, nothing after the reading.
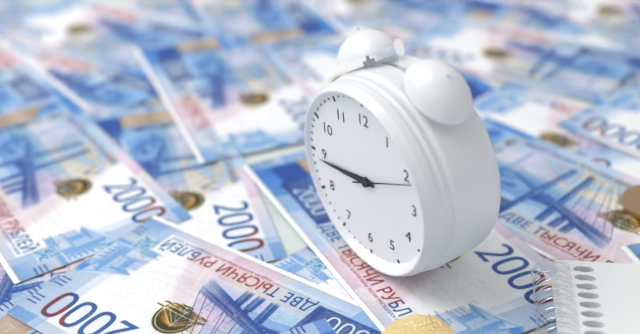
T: 8:44:11
